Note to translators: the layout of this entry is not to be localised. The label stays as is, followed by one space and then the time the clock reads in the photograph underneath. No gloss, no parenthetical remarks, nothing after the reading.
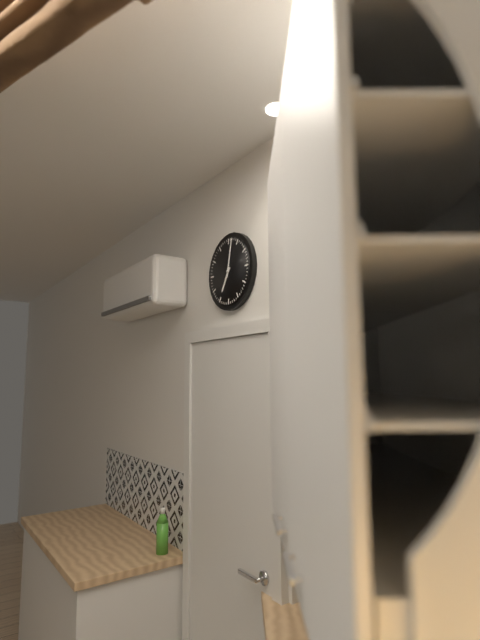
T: 7:02
